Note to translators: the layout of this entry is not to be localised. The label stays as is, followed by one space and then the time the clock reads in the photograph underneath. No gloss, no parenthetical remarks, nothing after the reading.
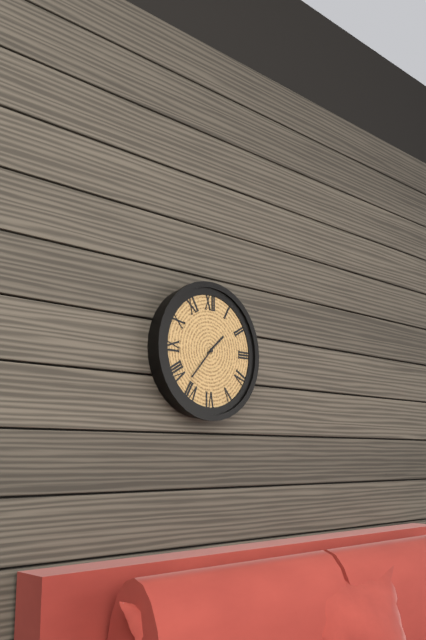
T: 1:37
